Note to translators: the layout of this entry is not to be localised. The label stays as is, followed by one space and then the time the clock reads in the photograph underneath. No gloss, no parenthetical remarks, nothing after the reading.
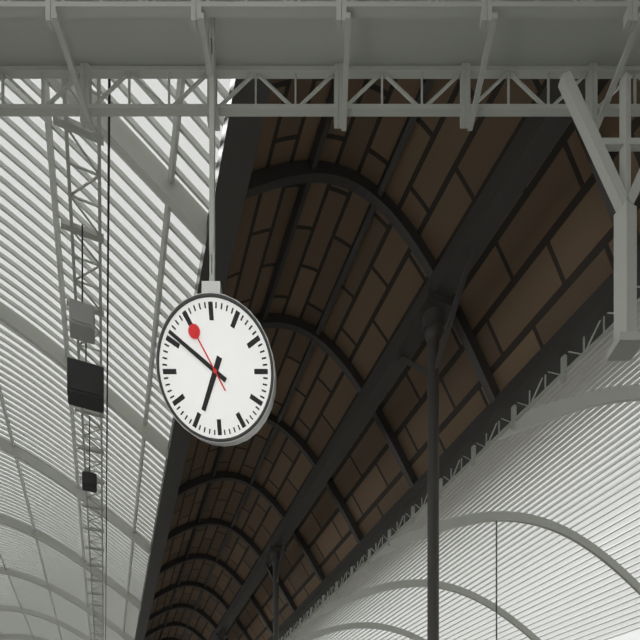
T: 6:51:55
